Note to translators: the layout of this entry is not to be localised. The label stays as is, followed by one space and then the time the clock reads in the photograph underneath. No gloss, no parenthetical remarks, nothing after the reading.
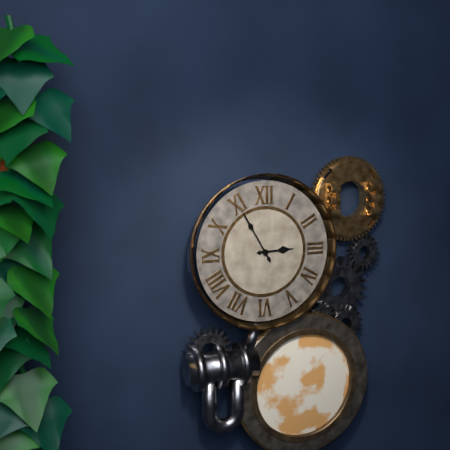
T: 2:55
